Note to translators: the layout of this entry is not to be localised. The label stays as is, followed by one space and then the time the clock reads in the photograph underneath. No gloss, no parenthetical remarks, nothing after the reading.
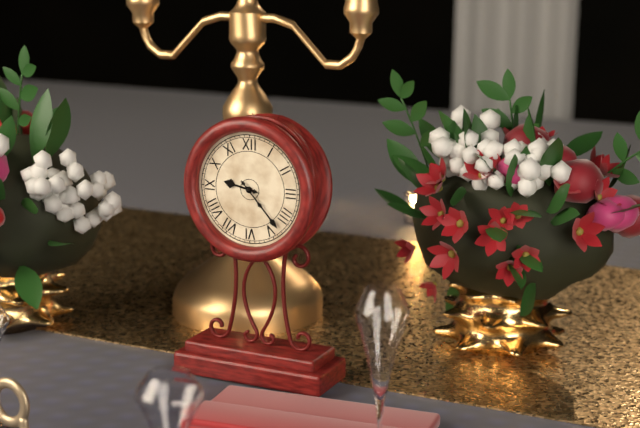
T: 9:23
